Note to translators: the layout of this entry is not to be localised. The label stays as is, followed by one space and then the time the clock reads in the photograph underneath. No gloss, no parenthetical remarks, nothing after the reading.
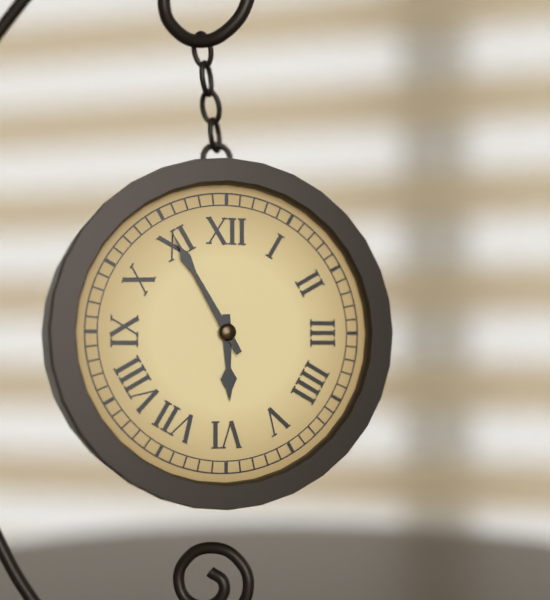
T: 5:55
